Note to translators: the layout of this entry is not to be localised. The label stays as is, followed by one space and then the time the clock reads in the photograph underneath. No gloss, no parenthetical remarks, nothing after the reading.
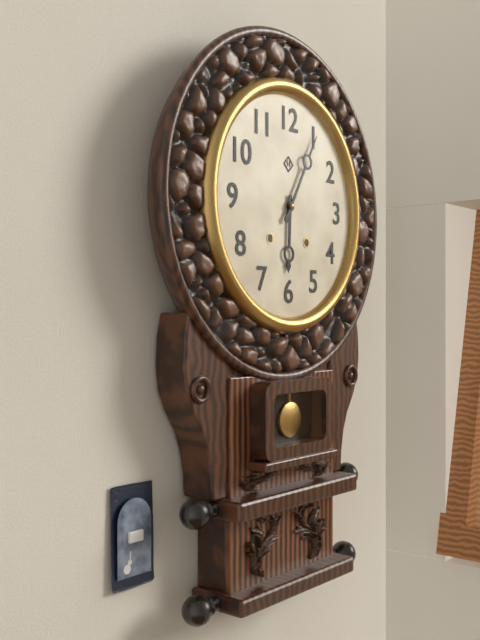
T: 6:05
